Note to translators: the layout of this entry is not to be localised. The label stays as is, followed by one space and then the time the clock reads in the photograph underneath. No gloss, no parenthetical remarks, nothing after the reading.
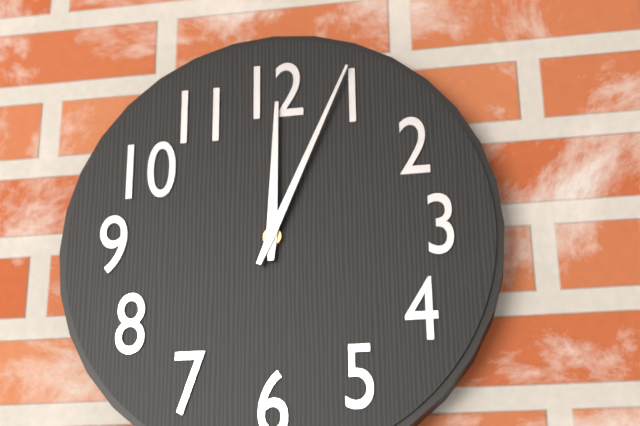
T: 12:04
